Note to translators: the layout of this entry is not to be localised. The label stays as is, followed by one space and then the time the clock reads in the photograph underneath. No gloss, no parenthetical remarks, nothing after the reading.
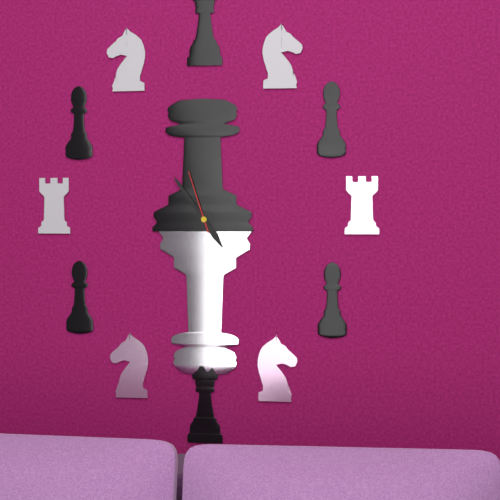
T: 4:54:57
